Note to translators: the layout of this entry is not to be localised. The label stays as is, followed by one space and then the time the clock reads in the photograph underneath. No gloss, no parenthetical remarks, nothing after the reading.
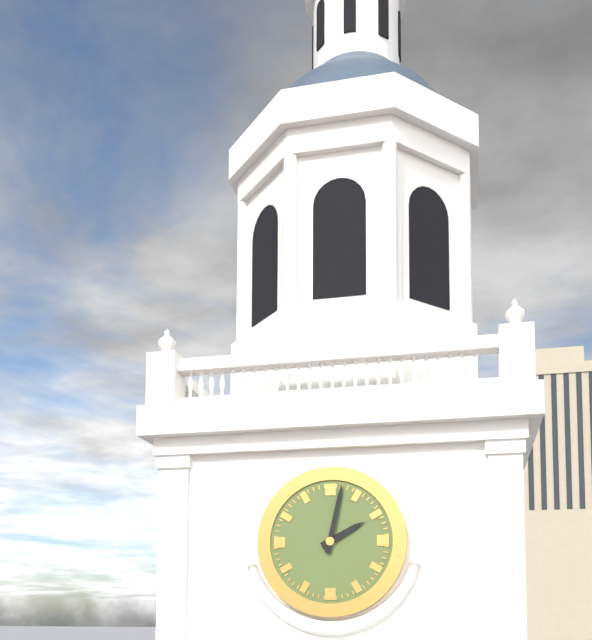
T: 2:02
